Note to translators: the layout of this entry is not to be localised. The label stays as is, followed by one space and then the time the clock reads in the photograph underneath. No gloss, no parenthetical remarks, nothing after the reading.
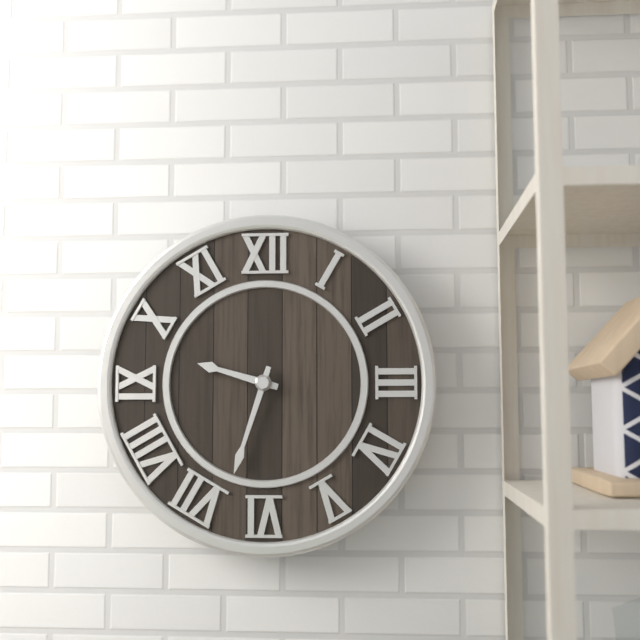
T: 9:33
